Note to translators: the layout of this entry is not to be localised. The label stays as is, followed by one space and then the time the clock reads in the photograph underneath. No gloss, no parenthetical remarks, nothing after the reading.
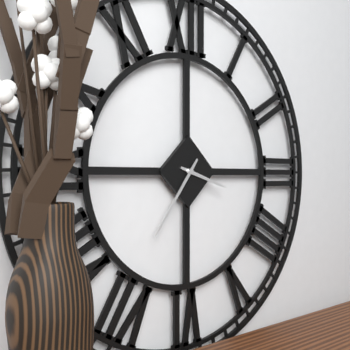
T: 3:36
